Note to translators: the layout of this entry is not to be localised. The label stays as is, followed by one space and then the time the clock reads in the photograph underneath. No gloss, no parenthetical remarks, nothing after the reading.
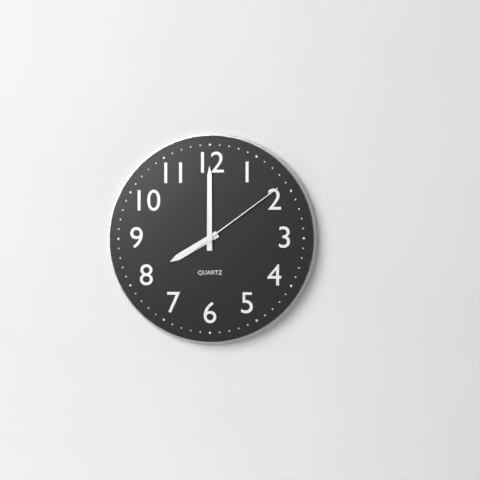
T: 8:00:09
